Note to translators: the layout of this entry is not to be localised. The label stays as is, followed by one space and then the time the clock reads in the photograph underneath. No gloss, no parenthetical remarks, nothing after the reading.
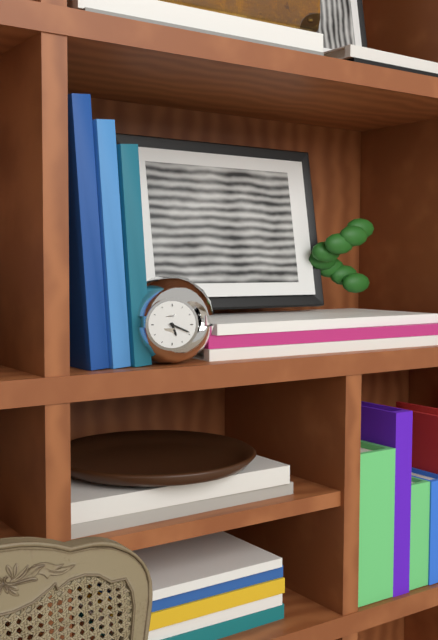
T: 5:19
